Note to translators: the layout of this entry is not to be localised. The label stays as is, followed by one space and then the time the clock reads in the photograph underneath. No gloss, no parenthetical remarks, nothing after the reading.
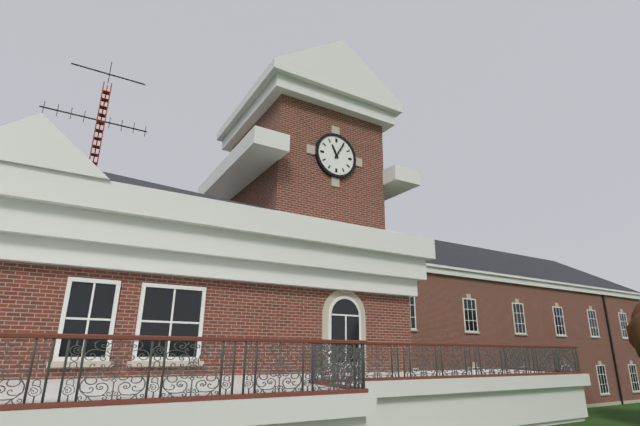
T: 11:05
